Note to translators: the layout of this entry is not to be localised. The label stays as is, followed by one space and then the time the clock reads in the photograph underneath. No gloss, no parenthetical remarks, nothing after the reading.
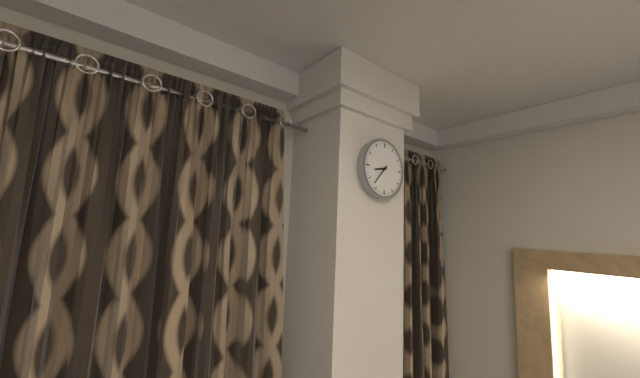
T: 8:37
